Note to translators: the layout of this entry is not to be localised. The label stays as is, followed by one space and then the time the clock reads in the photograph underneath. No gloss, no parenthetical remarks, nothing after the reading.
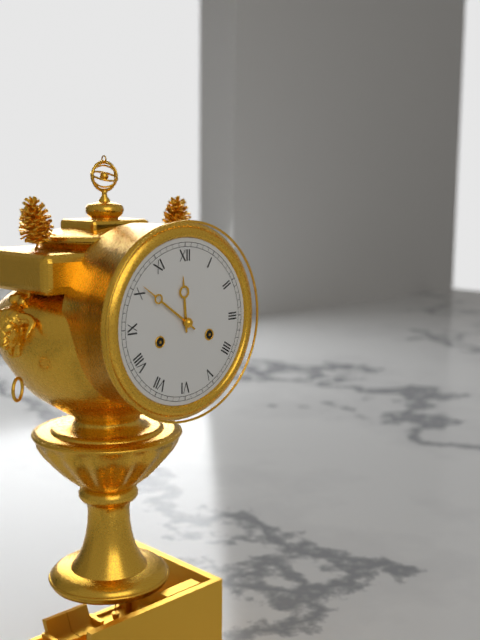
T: 11:51
